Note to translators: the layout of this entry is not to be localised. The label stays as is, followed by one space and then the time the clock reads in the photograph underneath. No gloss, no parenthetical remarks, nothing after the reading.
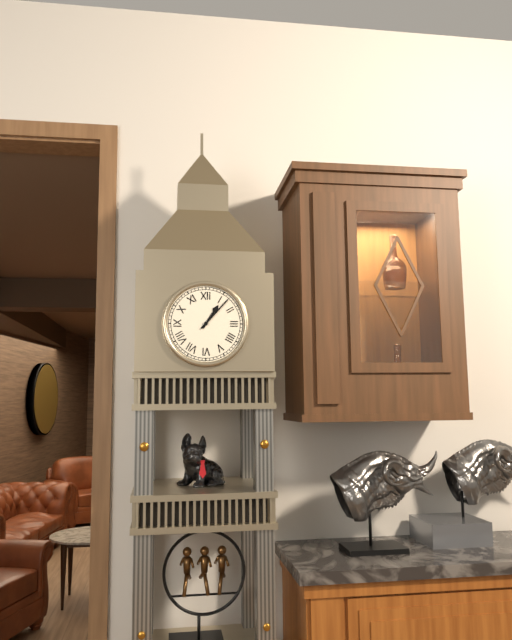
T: 1:07
